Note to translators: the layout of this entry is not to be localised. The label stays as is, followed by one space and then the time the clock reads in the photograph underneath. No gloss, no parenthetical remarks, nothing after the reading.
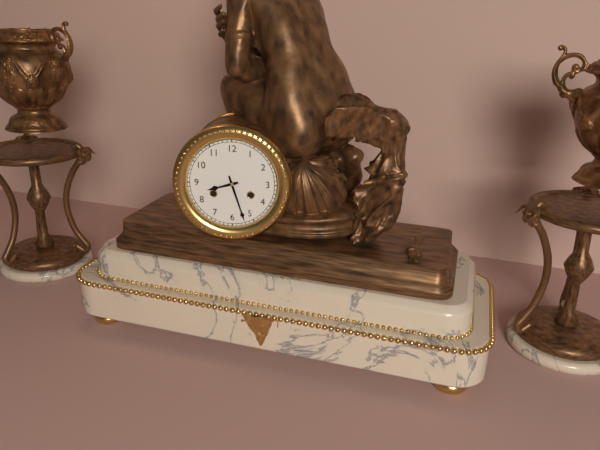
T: 8:27
